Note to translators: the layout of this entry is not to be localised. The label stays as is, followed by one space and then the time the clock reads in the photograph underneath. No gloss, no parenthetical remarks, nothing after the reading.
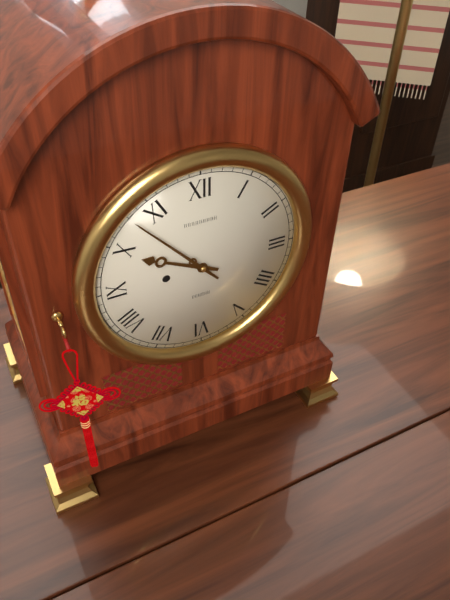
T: 9:53
